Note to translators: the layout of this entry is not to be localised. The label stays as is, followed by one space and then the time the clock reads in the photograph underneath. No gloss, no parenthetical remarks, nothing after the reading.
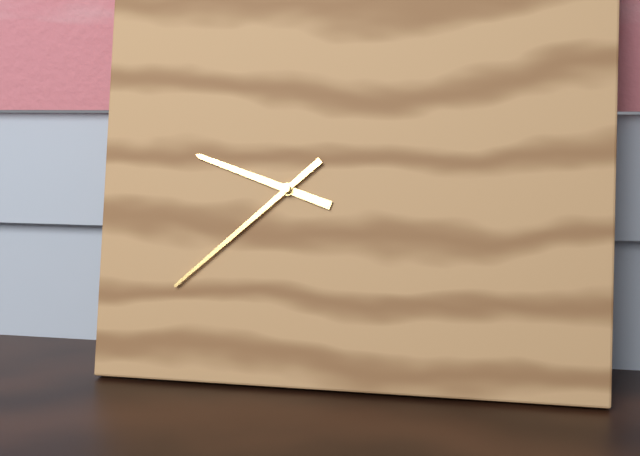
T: 9:38
